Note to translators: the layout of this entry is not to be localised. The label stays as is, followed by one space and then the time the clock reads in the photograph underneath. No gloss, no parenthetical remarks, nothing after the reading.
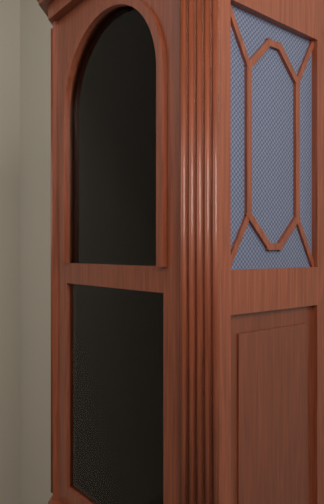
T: 7:16
